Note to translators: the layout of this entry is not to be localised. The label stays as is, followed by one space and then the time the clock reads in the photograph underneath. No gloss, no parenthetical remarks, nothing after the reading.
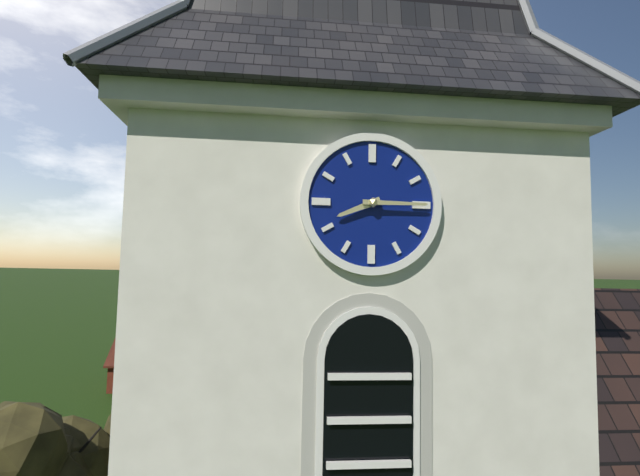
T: 8:15
